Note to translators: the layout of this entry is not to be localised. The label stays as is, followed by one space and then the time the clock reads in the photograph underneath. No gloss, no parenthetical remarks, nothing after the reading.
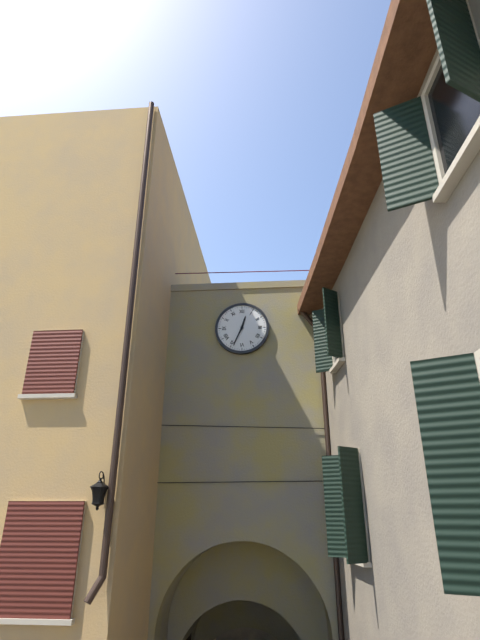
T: 12:34
